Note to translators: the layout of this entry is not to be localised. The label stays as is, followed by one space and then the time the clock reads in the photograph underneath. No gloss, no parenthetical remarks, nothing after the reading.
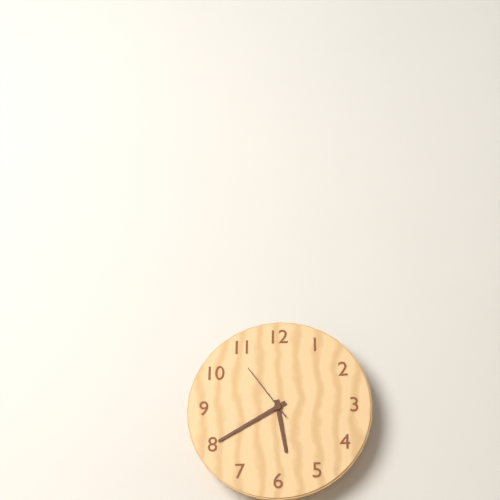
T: 5:40:54
